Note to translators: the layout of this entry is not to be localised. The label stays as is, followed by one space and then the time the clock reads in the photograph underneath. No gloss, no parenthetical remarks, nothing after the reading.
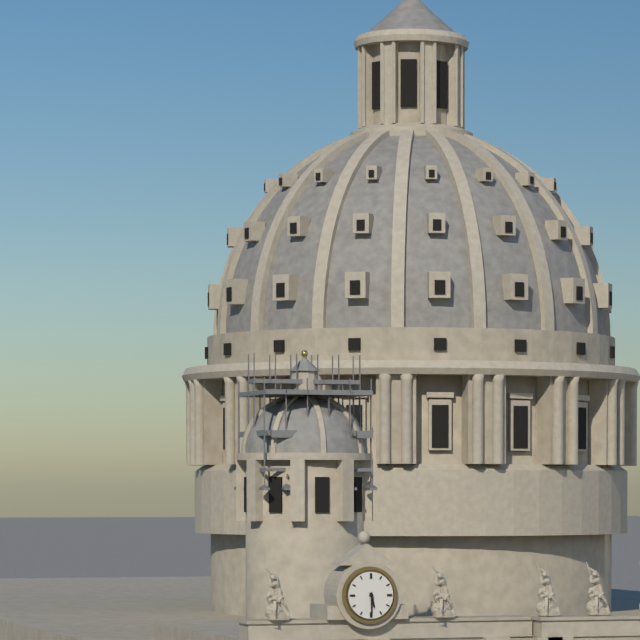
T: 5:30
